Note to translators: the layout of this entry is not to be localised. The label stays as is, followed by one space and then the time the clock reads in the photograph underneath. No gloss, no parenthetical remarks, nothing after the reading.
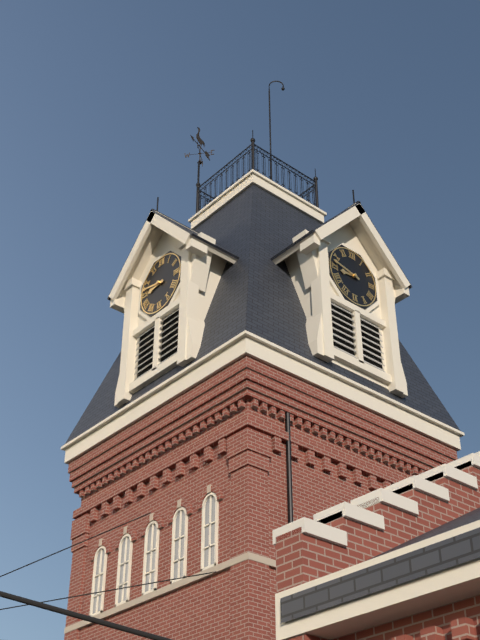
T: 8:47
